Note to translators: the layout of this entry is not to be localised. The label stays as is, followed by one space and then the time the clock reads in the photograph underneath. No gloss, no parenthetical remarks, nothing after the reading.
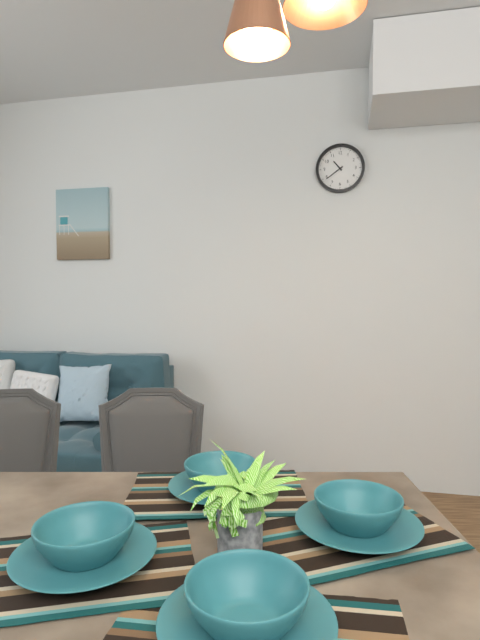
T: 10:39
